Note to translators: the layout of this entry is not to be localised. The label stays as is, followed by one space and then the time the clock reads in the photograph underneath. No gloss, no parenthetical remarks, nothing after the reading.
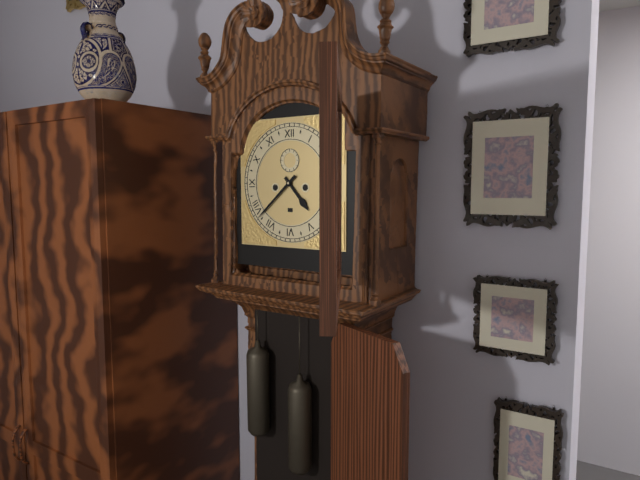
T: 4:38
